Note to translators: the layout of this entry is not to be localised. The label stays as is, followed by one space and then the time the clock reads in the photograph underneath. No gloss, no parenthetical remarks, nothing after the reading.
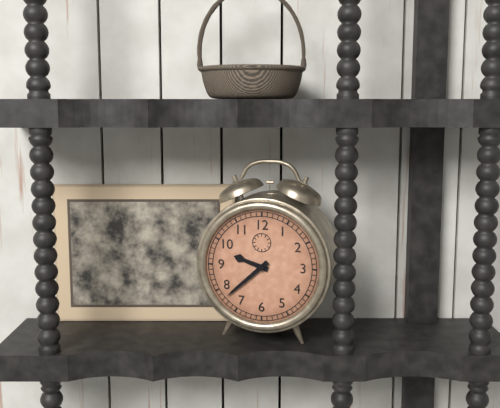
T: 9:38
